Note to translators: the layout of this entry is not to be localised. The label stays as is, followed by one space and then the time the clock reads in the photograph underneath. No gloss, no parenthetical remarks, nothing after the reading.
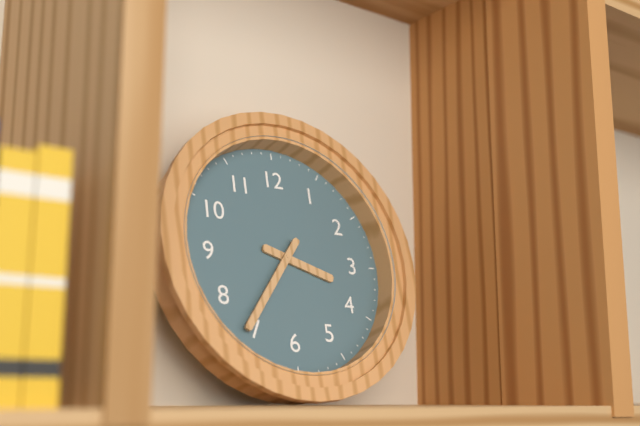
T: 3:36
